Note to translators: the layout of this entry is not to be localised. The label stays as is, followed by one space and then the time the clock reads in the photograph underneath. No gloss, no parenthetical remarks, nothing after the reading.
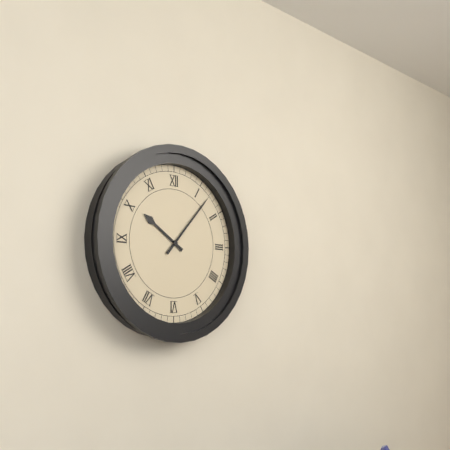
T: 10:07
